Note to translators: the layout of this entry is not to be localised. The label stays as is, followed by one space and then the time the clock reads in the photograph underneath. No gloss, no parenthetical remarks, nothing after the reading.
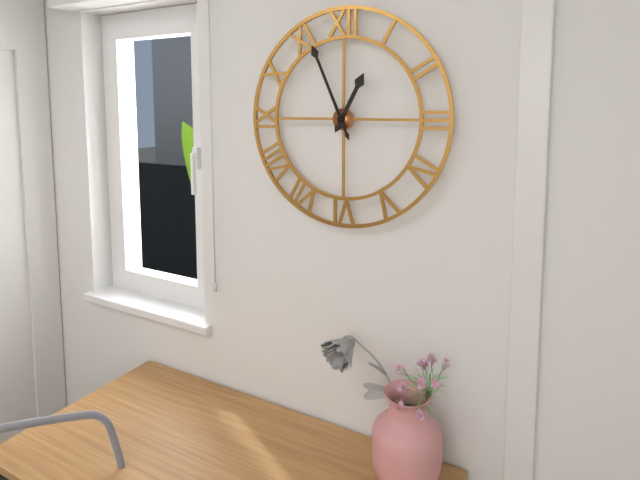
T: 12:56
